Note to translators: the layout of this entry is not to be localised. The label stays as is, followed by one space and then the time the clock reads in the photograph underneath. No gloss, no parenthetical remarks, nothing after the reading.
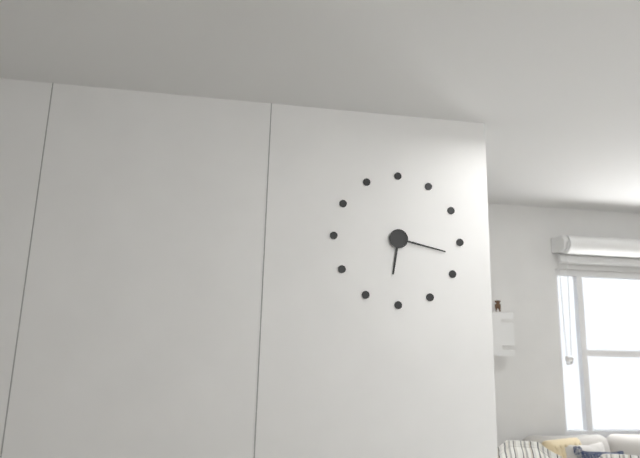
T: 6:17
